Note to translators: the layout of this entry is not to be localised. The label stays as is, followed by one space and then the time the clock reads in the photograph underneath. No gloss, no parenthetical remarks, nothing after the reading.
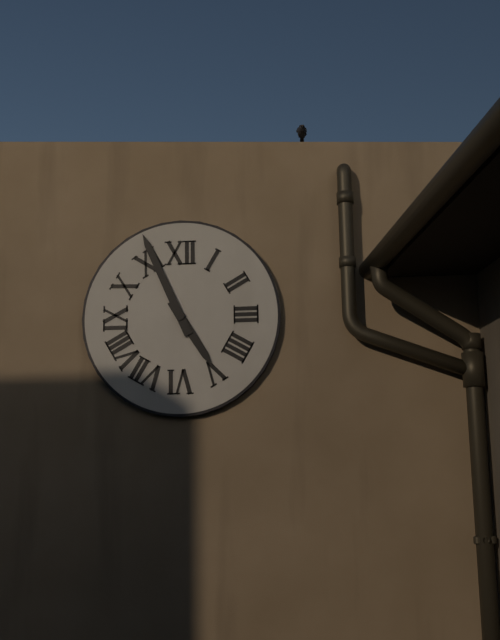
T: 4:56
